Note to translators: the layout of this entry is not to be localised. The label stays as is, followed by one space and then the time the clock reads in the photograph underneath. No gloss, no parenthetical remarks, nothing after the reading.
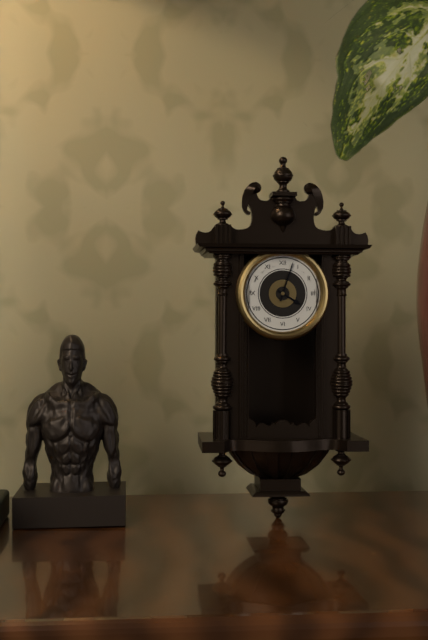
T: 4:03
